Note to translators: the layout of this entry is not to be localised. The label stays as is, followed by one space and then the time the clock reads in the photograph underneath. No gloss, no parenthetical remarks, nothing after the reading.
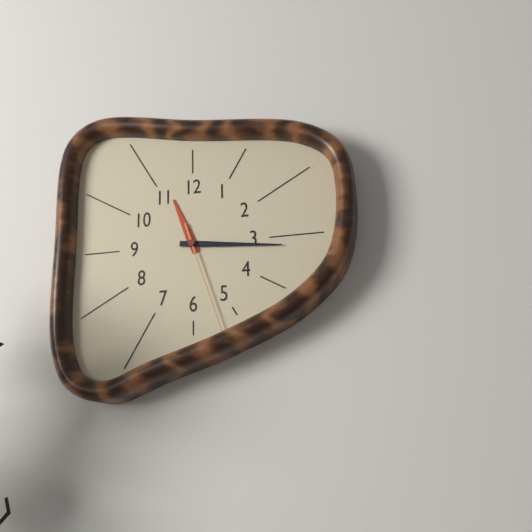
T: 11:16:27
